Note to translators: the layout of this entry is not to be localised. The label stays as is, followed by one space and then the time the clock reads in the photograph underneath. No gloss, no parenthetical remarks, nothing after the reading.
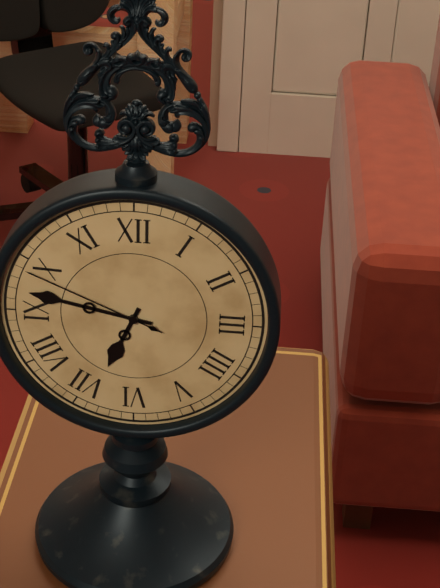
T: 6:47:49
